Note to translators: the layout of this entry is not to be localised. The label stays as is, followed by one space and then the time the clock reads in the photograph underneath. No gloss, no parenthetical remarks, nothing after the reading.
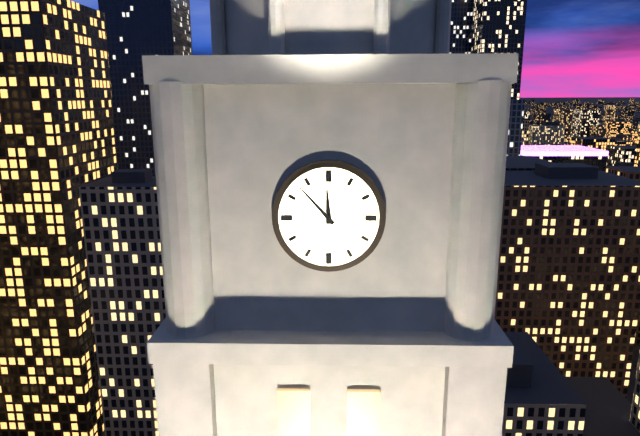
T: 11:53
